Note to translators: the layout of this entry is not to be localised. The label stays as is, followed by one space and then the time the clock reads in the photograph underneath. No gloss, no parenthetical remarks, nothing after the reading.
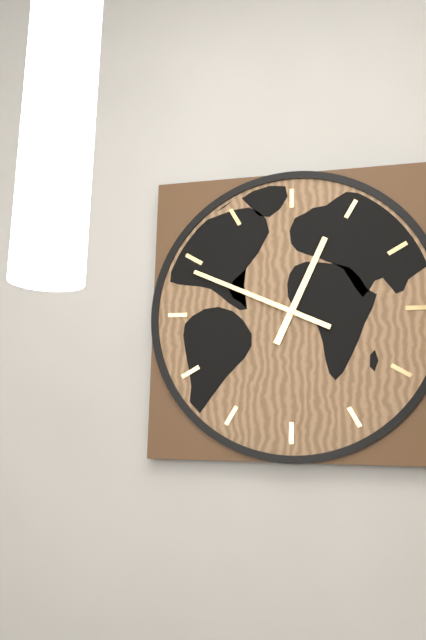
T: 12:49
